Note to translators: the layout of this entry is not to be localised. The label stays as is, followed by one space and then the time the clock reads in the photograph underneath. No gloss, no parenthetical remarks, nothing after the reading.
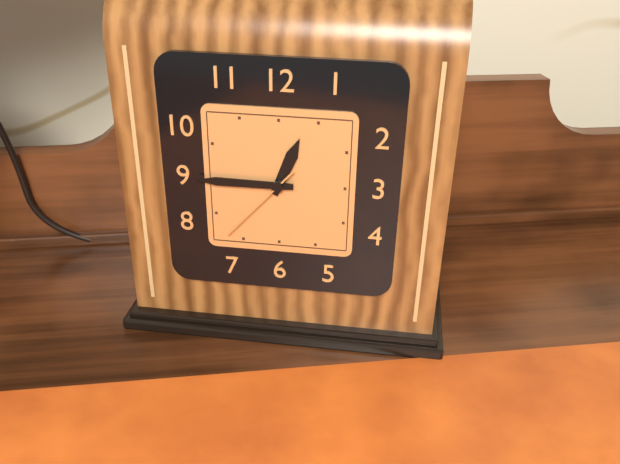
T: 12:45:37
